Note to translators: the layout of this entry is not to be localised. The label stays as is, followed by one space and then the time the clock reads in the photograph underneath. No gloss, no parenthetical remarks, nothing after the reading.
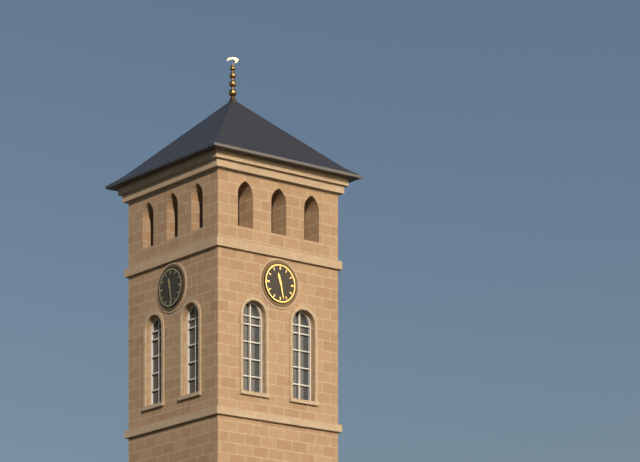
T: 11:28
